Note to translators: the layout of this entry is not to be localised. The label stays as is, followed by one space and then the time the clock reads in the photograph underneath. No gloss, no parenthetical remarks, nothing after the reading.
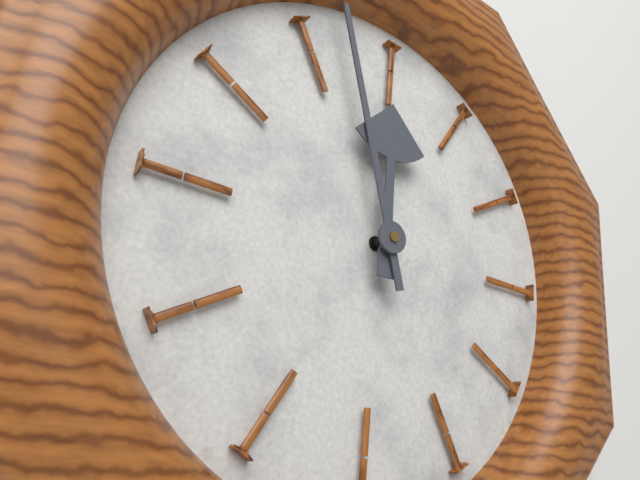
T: 11:57
